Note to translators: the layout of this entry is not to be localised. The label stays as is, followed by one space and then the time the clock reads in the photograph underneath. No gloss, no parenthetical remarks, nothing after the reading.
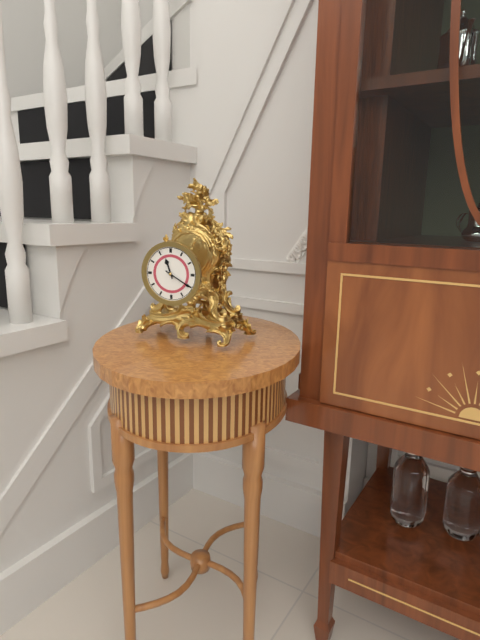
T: 11:20
